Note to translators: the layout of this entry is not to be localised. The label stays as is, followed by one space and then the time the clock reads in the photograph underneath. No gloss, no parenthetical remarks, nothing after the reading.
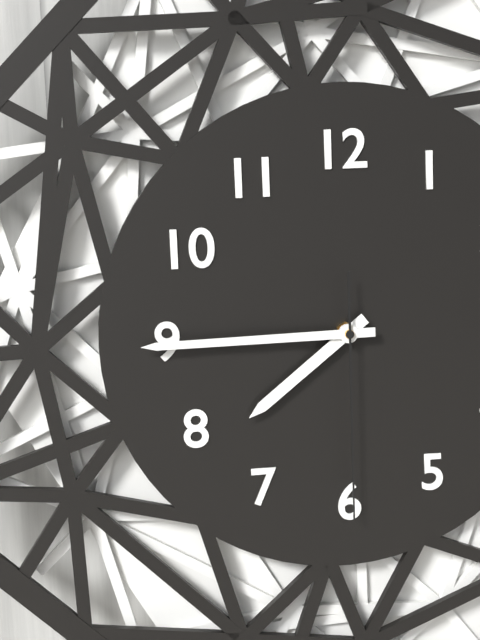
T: 7:45:30
